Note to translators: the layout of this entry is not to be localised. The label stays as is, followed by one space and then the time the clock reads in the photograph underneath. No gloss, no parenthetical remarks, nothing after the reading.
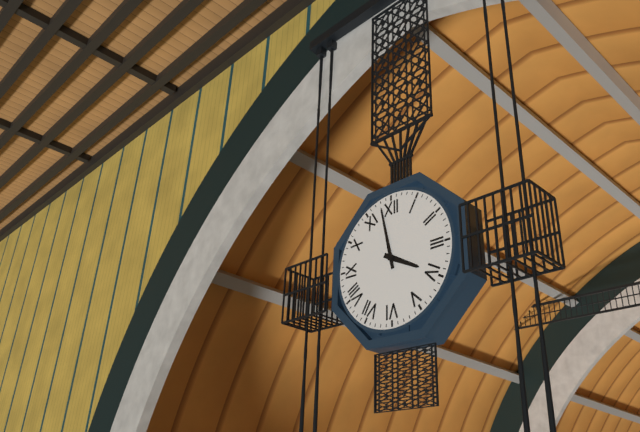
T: 3:58
